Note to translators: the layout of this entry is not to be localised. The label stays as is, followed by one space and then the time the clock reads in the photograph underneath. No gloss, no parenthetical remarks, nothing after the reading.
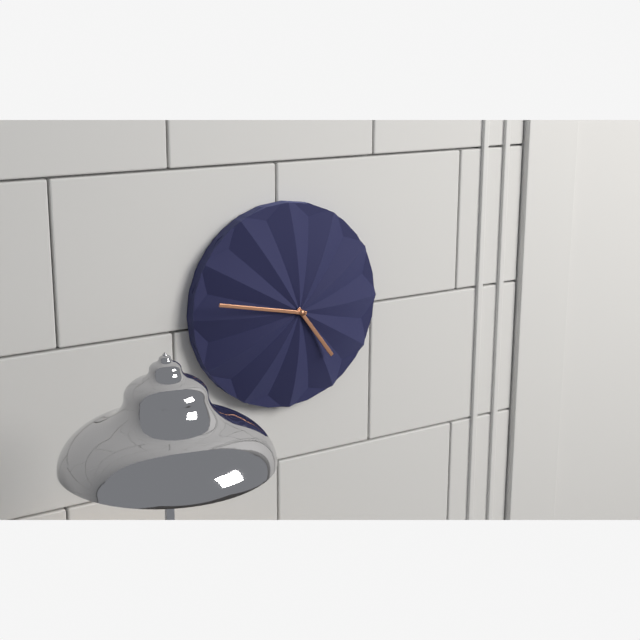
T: 4:47
